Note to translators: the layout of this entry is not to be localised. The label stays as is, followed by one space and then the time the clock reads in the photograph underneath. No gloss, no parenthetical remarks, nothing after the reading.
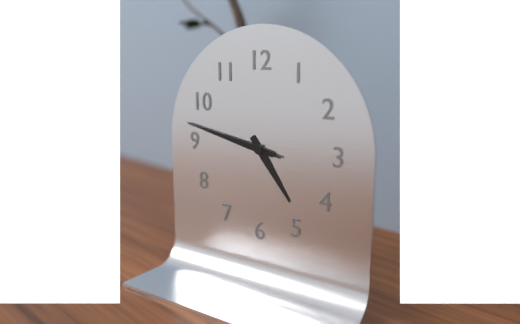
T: 4:47:47
